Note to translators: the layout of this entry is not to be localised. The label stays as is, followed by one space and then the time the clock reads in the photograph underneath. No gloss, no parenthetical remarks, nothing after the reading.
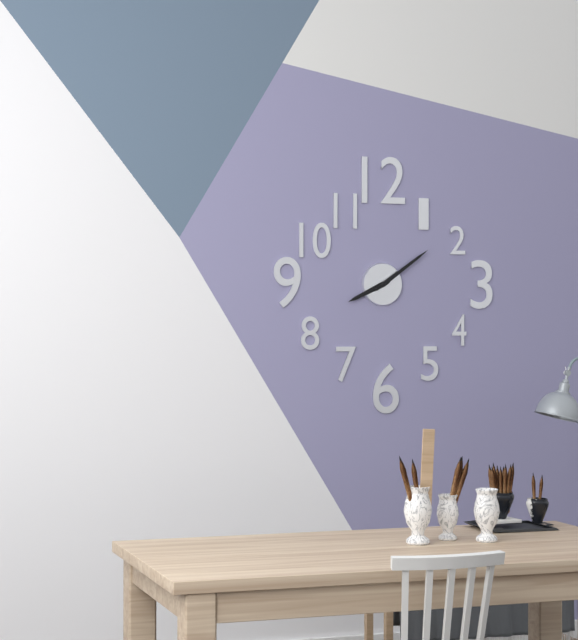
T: 8:09
